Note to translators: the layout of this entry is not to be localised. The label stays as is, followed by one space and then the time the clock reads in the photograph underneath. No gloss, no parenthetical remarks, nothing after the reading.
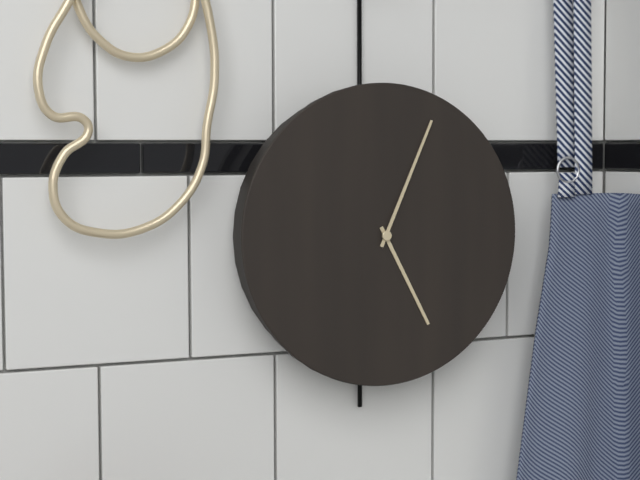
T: 5:04
